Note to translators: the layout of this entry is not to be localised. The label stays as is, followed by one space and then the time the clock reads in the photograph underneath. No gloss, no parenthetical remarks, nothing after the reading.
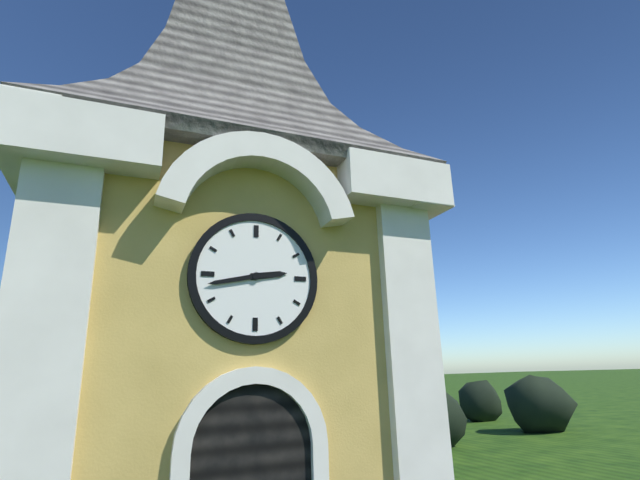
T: 2:43
